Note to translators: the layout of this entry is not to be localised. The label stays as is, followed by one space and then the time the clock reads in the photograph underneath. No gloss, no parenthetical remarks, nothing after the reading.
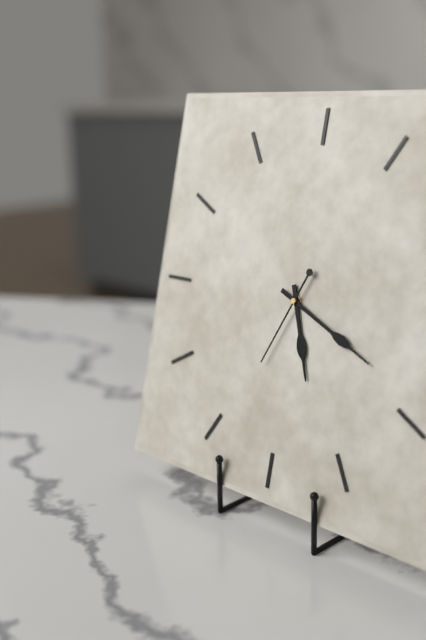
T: 5:19:34
